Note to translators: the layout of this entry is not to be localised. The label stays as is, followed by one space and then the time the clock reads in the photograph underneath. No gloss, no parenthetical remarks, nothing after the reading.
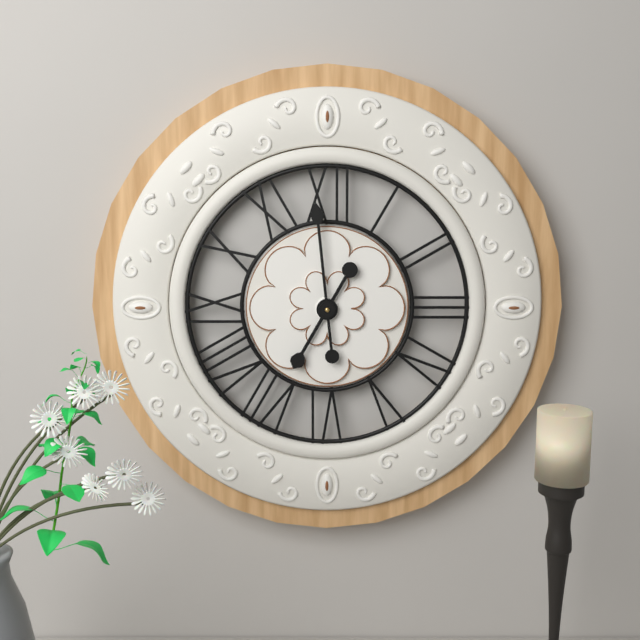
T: 6:59
